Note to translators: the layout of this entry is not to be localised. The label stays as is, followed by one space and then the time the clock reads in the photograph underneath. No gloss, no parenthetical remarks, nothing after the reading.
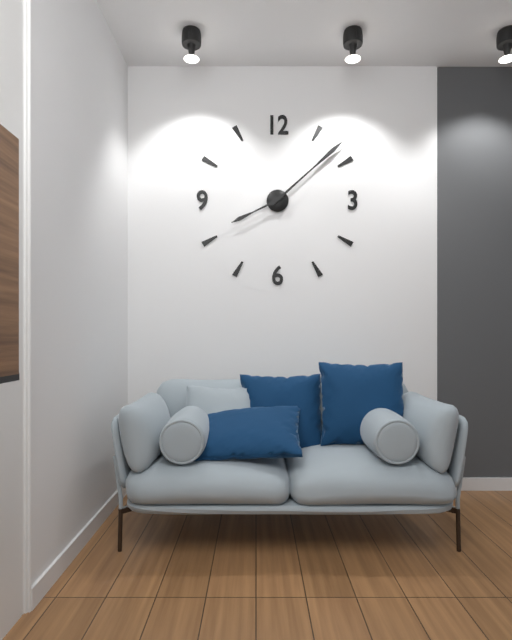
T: 8:08
